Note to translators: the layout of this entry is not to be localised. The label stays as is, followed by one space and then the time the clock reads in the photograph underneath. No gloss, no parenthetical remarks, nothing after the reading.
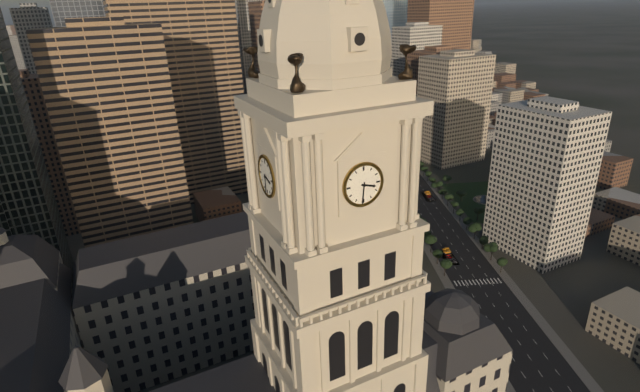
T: 3:31
